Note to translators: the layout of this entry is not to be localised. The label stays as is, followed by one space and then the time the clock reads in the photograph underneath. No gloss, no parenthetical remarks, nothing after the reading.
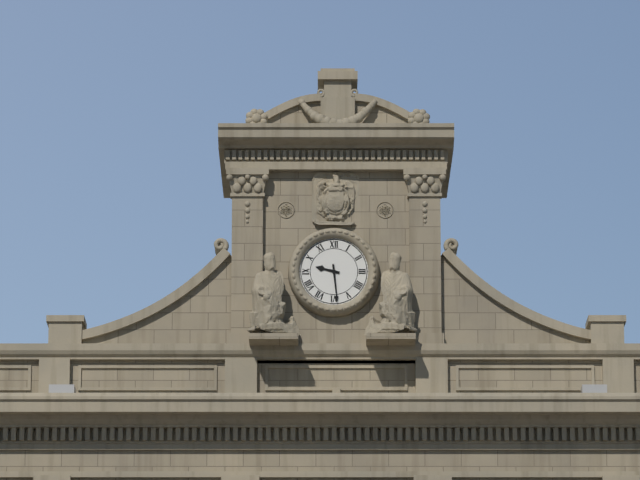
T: 9:29
